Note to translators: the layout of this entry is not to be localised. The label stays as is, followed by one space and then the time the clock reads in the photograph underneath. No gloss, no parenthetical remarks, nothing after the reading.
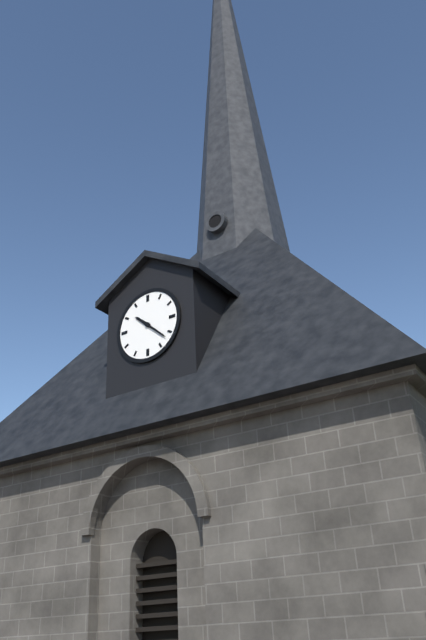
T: 10:22
